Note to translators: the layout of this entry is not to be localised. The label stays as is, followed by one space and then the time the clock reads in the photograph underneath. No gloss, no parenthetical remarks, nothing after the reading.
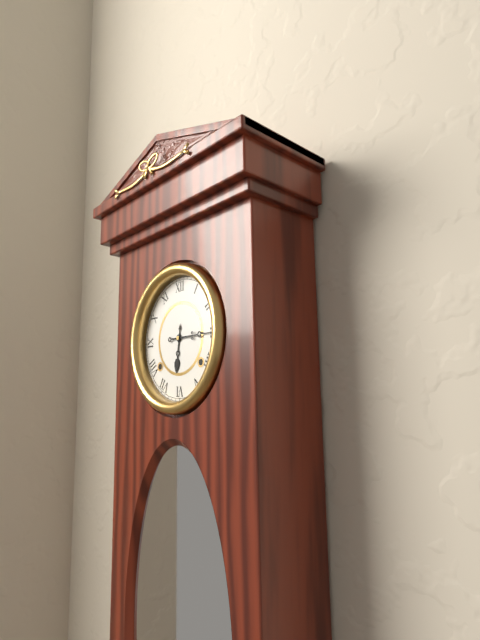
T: 6:15
